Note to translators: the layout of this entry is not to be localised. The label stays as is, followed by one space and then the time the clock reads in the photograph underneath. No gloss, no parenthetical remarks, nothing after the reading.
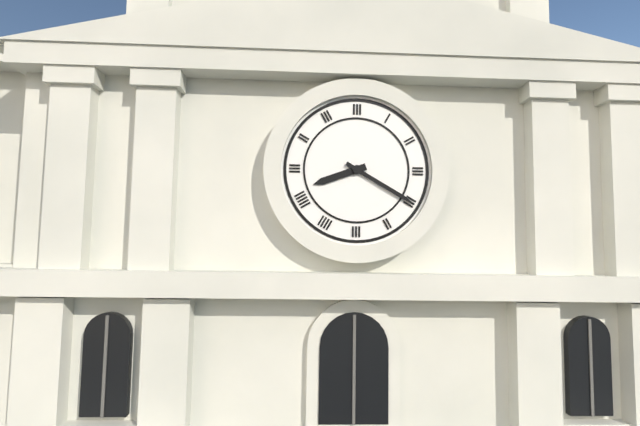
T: 8:20
